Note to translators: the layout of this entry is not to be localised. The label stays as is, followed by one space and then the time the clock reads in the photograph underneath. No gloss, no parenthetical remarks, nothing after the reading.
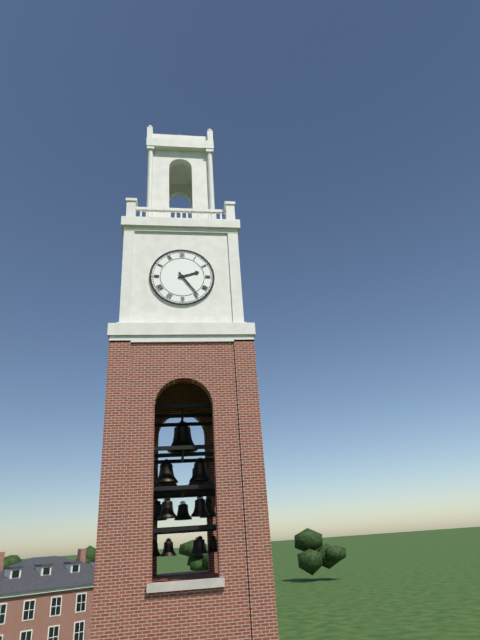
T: 2:24
